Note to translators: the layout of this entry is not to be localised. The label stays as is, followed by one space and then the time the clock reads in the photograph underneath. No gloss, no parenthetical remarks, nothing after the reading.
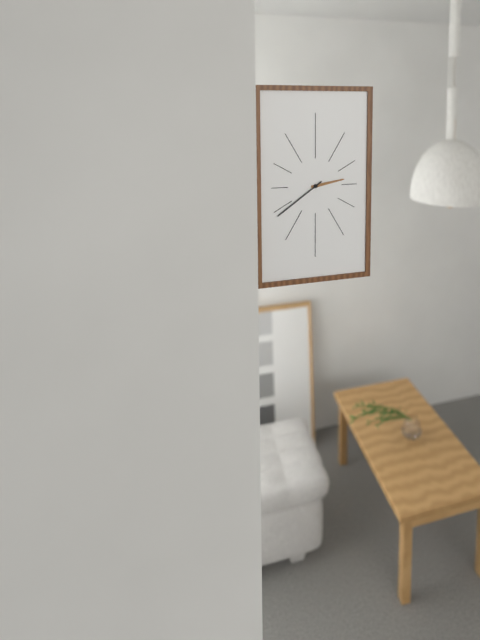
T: 2:39
